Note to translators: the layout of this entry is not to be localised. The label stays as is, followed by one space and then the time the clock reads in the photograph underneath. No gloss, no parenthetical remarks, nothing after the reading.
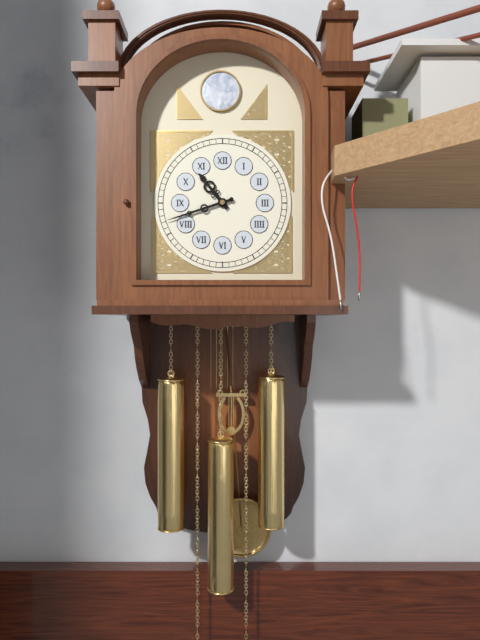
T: 10:42
